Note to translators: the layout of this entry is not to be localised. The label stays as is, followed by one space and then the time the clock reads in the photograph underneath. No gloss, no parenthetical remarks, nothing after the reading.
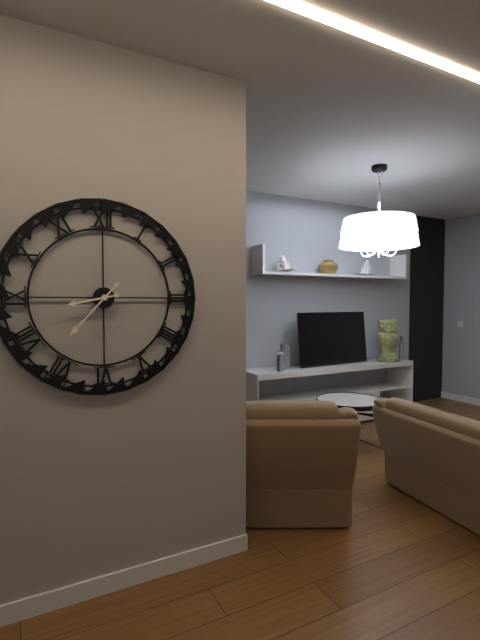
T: 8:37
